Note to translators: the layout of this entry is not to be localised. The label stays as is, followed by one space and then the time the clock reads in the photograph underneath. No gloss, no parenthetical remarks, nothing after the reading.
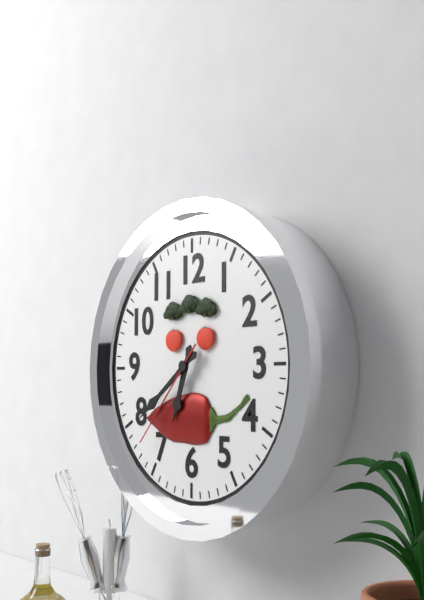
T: 6:39:37
